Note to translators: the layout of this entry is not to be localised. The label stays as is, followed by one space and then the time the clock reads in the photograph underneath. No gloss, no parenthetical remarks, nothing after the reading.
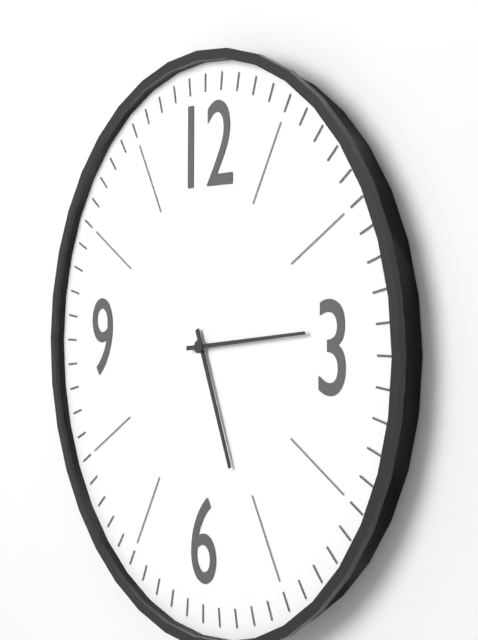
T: 5:14
